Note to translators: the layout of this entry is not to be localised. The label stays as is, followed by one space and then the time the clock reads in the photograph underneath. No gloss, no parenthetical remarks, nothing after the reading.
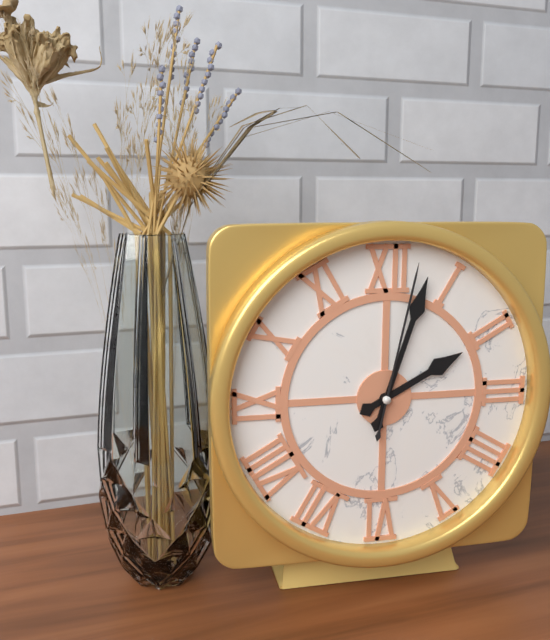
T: 2:03:02
